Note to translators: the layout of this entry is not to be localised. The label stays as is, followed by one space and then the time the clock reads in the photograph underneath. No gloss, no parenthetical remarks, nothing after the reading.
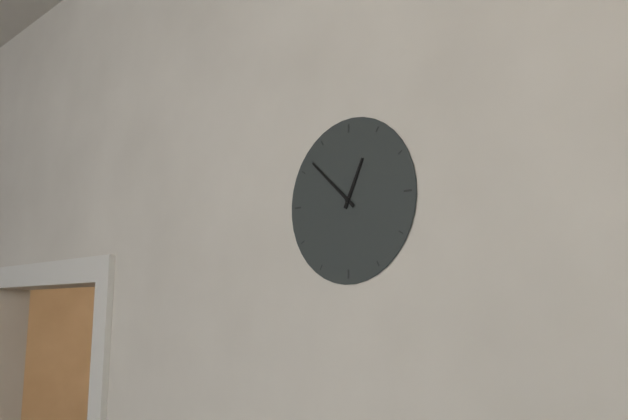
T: 12:52
